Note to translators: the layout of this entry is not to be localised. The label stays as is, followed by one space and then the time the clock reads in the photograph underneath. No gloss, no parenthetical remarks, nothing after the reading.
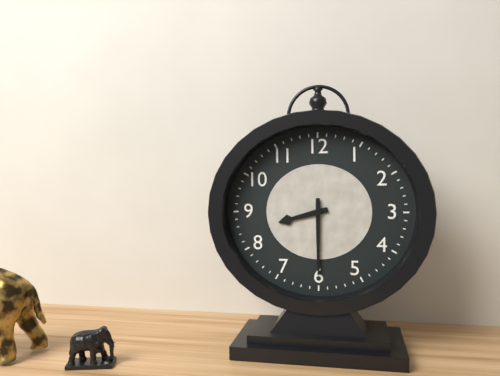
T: 8:30
